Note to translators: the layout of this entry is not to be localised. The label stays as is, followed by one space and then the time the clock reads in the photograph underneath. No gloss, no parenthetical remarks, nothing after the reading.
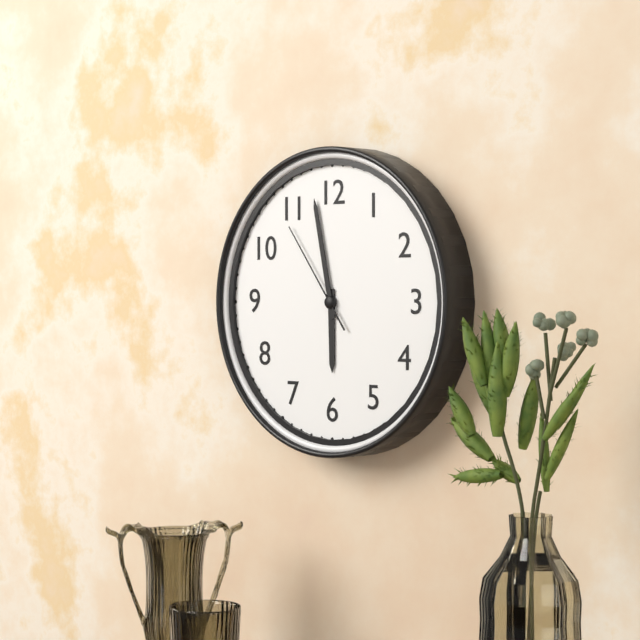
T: 5:58:54
